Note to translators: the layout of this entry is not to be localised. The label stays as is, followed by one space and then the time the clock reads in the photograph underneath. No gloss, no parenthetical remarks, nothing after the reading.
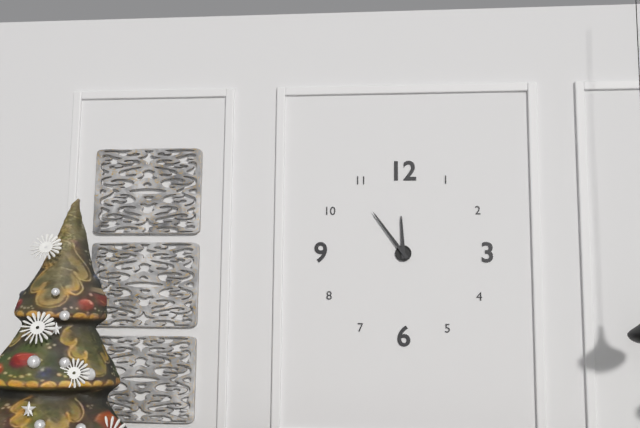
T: 11:54
